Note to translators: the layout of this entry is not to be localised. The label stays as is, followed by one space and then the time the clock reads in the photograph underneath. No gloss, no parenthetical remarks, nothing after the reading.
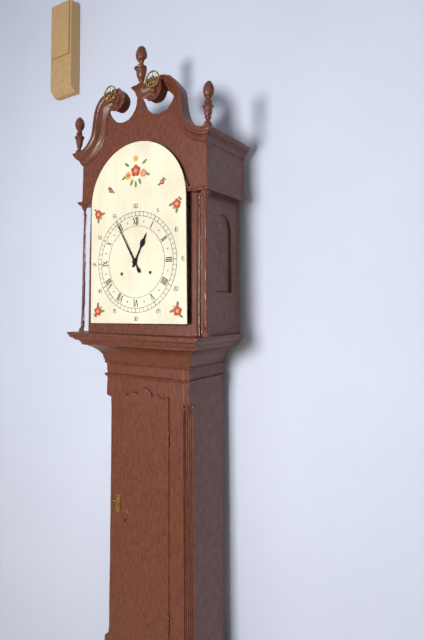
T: 12:55
